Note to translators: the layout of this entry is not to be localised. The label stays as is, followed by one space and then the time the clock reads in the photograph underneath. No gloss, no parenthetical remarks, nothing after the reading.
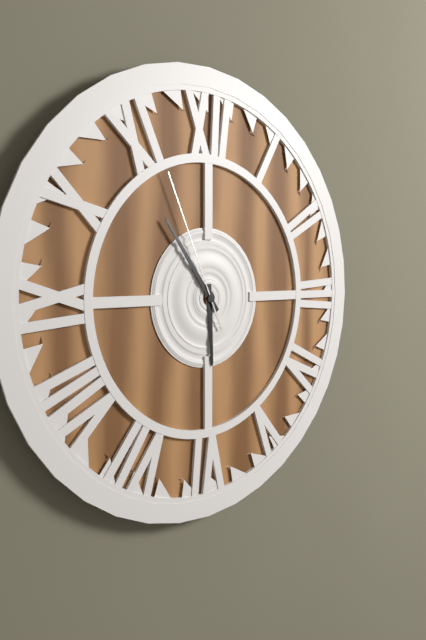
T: 5:54:56
